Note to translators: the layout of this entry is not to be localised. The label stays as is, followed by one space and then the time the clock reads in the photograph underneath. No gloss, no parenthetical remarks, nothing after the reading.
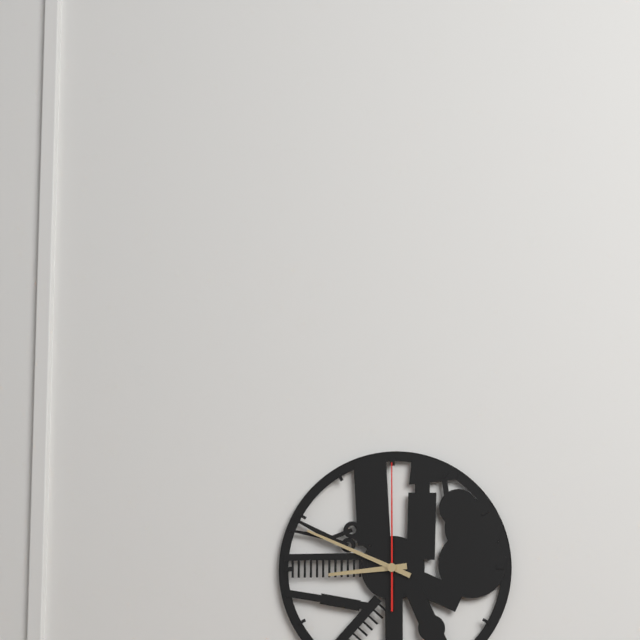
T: 8:49:00
